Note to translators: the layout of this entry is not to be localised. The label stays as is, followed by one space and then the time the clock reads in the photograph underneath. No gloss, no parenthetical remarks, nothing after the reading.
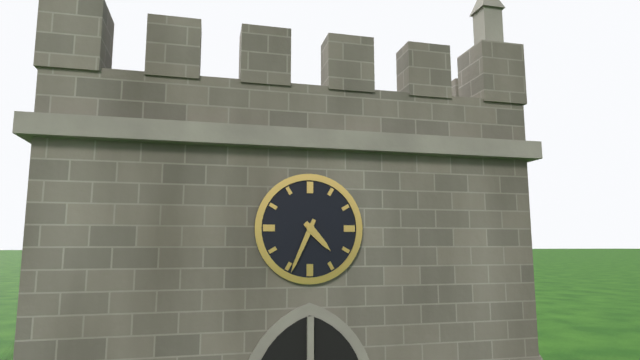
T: 4:34
